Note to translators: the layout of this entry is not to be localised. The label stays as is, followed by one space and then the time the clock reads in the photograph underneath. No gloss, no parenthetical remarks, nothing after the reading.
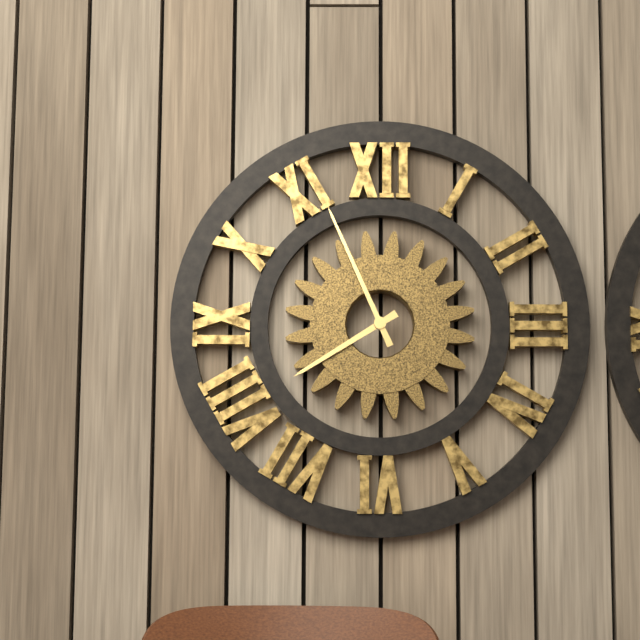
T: 7:56
